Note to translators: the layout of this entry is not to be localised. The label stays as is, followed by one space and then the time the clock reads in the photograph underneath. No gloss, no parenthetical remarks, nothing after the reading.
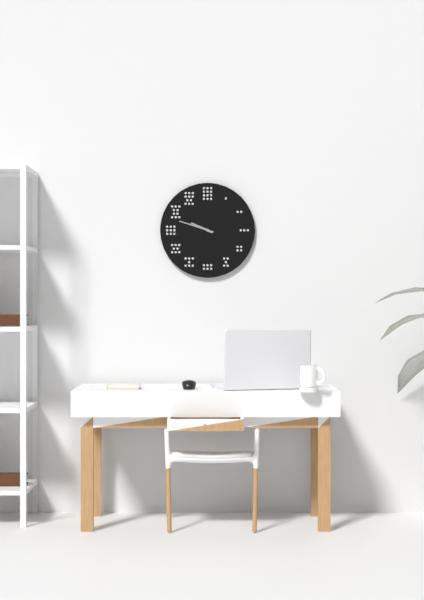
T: 9:48
